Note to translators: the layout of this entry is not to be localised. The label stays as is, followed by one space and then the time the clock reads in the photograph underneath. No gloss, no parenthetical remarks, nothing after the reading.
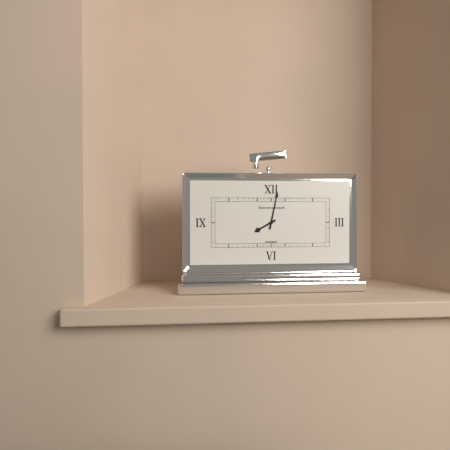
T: 8:02
